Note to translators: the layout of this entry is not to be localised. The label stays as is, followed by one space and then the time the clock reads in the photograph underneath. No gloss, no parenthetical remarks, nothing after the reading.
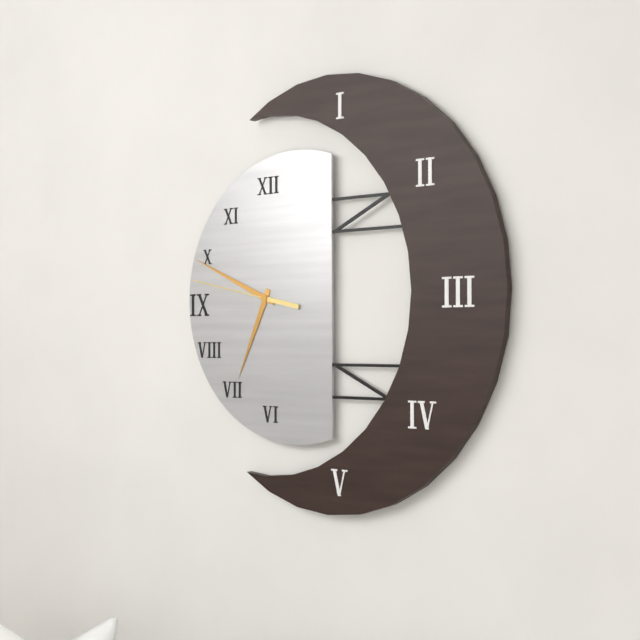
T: 6:49:47
